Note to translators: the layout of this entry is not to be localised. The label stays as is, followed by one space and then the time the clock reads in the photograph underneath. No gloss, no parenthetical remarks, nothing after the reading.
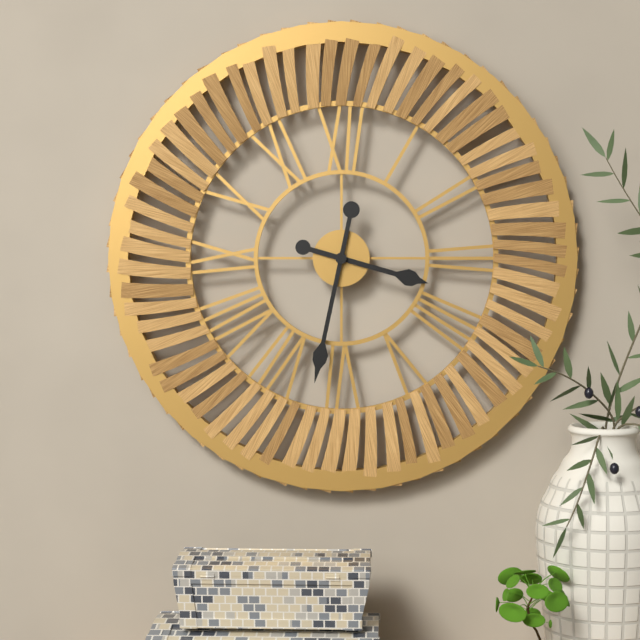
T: 3:32
